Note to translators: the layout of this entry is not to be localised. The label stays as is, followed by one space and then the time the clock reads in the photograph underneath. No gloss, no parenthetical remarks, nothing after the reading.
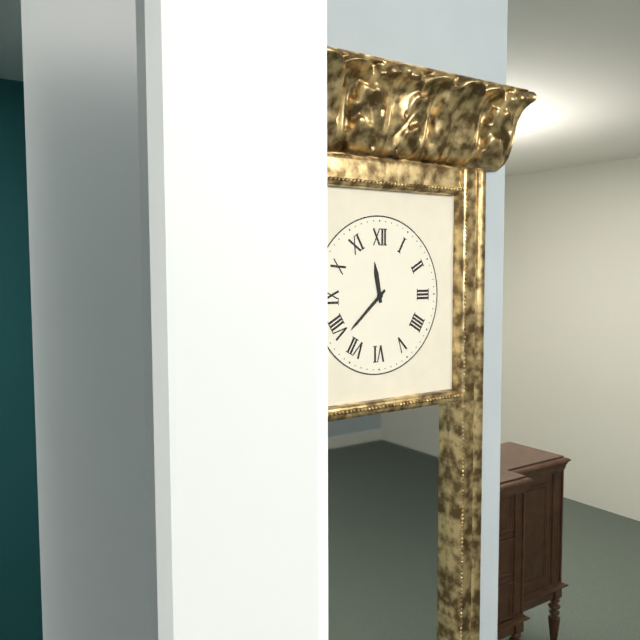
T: 11:38
